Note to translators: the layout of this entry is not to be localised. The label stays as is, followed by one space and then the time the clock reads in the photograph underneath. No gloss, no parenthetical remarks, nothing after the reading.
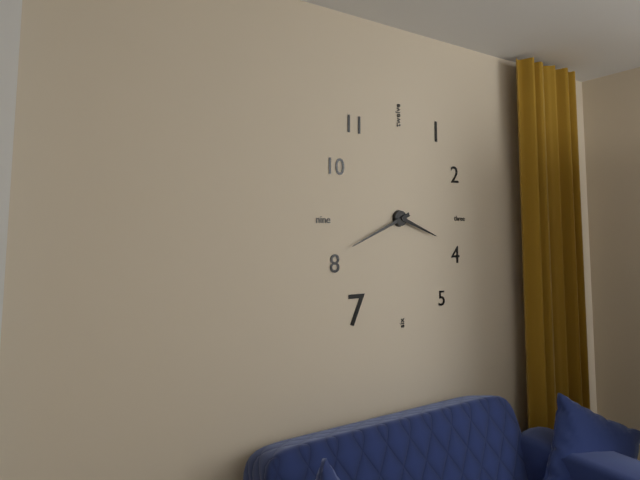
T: 3:41
